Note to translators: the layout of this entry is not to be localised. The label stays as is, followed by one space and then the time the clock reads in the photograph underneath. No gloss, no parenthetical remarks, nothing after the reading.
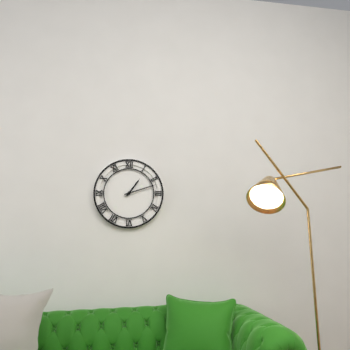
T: 1:12
